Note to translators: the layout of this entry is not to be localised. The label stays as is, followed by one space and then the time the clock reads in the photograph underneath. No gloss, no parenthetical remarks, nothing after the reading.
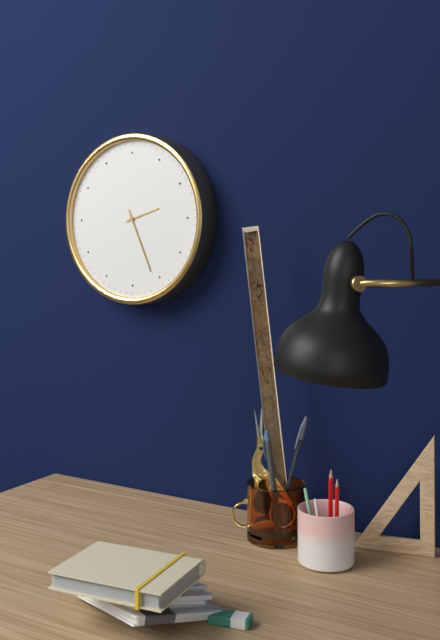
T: 2:26
